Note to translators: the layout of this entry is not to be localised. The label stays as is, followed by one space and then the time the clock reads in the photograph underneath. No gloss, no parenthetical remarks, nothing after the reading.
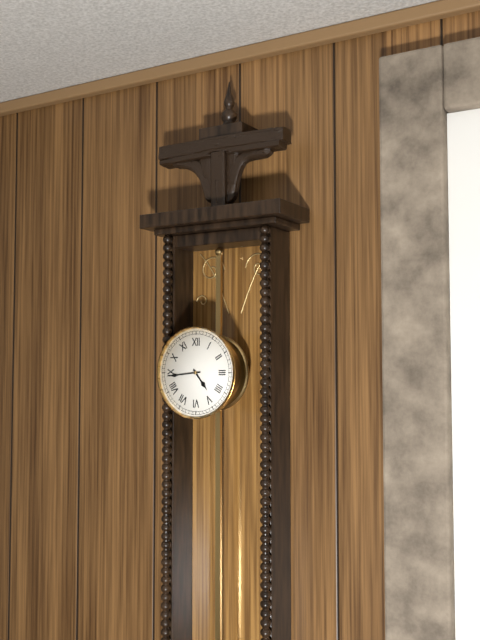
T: 4:44
